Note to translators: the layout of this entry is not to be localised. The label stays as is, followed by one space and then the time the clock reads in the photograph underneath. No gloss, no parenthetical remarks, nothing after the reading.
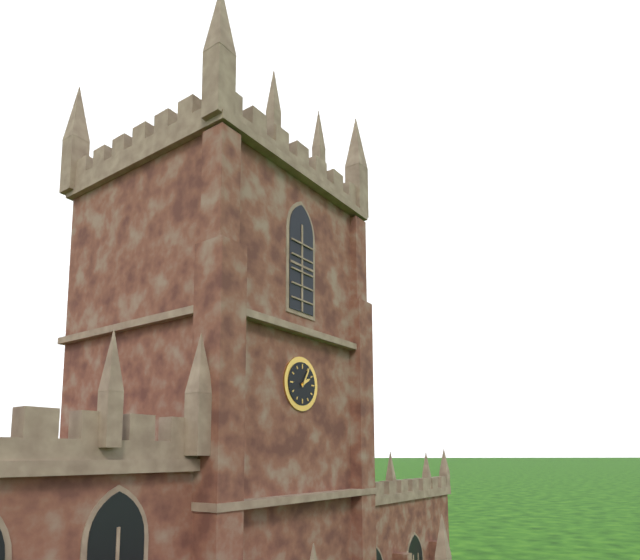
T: 2:05
